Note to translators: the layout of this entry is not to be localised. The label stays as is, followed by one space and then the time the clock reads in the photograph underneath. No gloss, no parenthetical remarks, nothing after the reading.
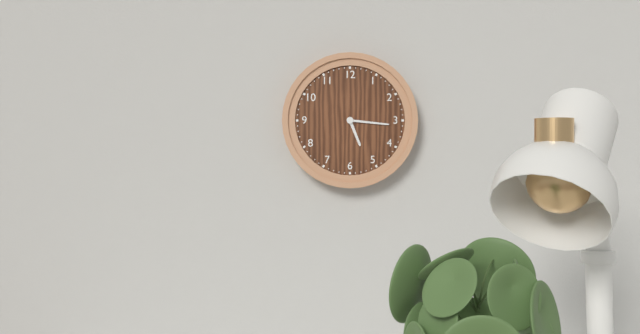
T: 5:16
